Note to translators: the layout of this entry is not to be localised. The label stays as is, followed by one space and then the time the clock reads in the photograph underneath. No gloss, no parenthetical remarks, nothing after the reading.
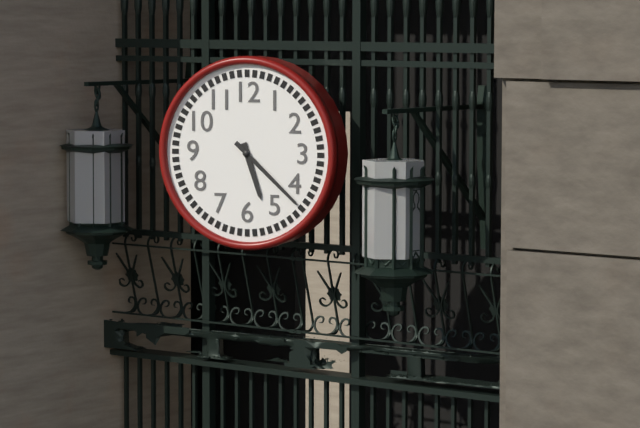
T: 5:22
